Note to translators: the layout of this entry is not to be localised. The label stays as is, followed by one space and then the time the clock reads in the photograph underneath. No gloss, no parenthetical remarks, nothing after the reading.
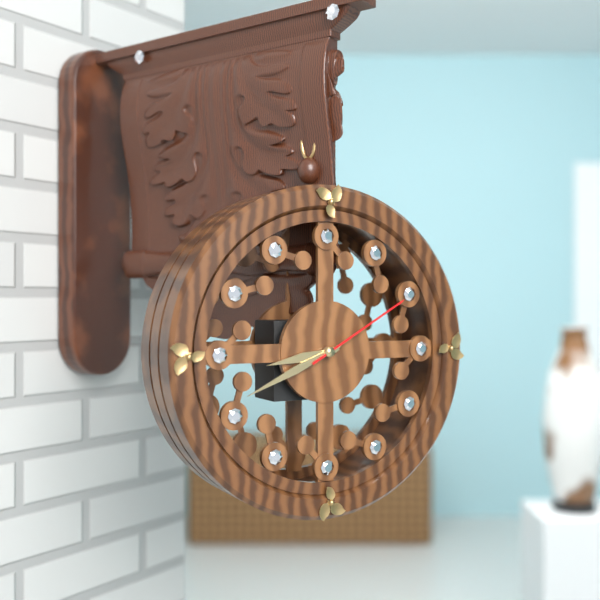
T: 8:41:10
